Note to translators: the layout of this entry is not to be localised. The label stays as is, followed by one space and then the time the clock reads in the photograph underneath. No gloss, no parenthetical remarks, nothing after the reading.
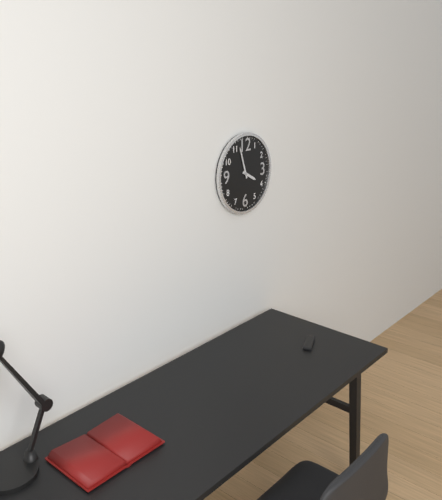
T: 3:57
